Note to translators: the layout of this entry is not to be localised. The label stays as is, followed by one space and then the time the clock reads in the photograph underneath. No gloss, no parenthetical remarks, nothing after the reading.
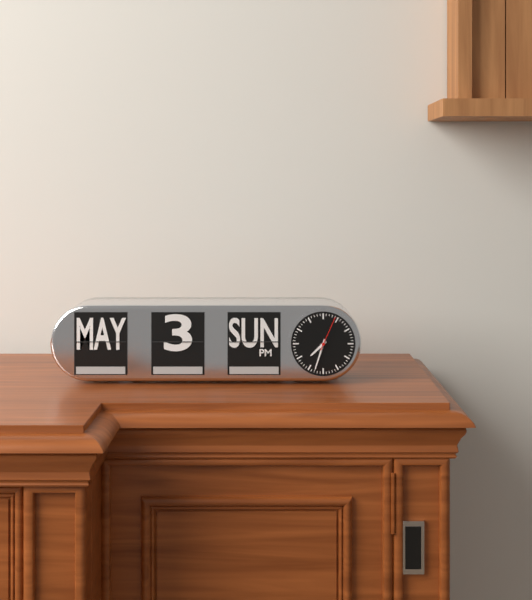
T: 7:33
